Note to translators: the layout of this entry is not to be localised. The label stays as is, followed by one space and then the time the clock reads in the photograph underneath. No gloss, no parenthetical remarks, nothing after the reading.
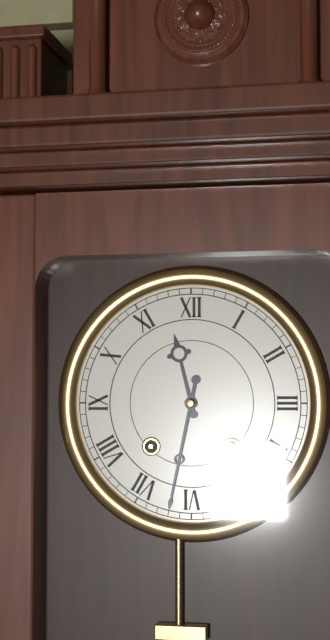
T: 11:32
